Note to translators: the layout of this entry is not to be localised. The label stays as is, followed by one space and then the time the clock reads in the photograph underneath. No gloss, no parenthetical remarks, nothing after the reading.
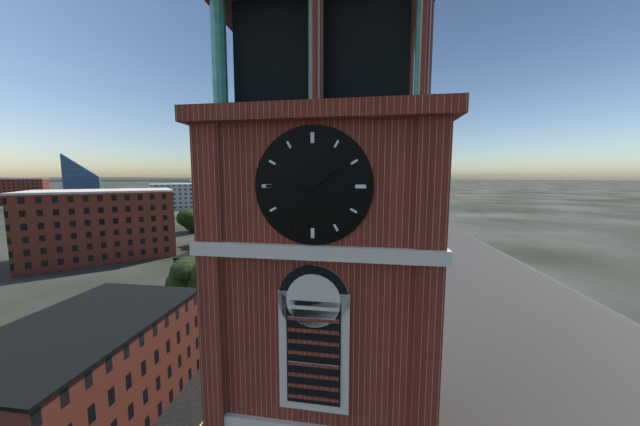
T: 1:45
